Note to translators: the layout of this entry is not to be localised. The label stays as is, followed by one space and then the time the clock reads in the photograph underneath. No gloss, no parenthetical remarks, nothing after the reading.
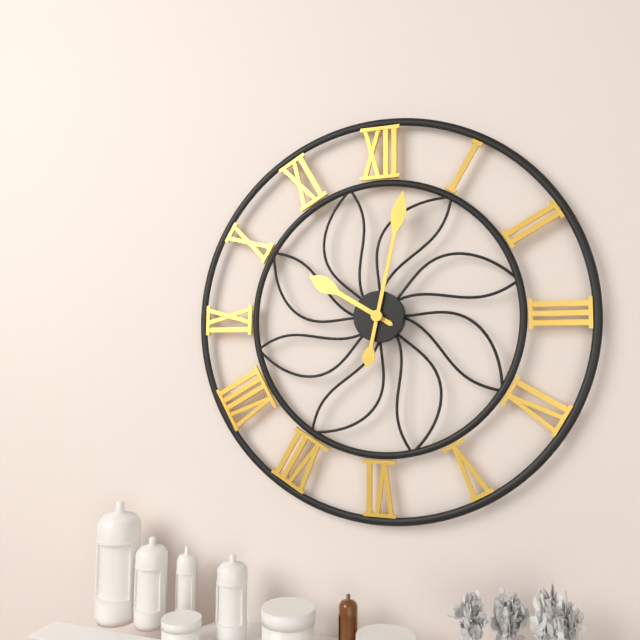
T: 10:02
